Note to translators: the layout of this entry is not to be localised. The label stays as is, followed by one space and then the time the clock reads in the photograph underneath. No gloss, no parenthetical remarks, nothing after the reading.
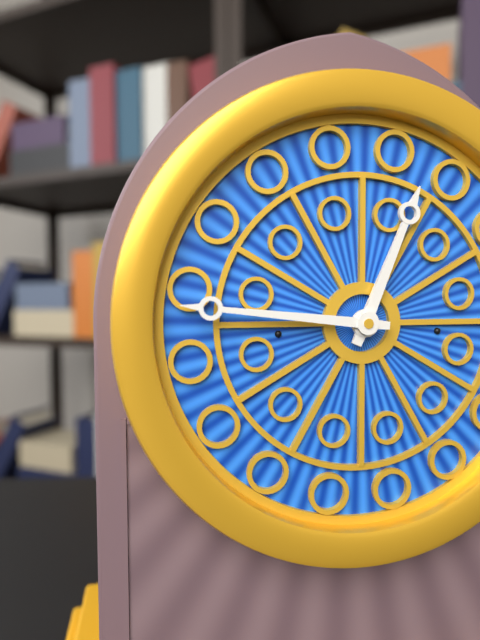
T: 12:46
